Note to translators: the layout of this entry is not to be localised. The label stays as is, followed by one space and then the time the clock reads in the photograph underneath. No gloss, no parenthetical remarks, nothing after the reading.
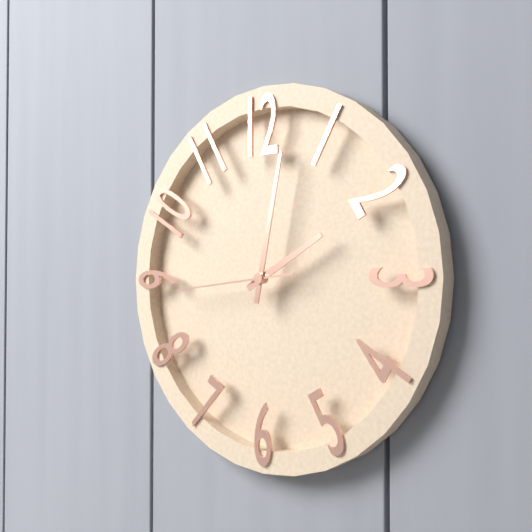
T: 2:02:44
